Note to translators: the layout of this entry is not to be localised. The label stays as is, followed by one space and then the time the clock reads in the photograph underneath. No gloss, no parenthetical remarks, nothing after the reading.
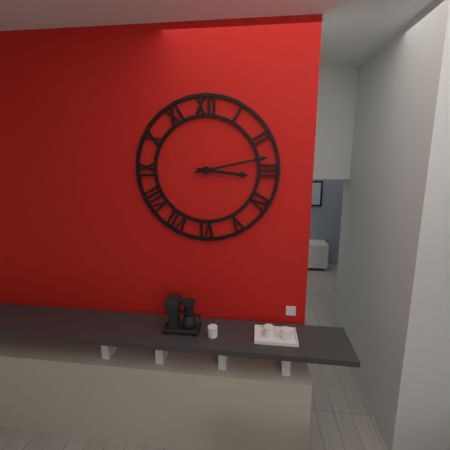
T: 3:13
